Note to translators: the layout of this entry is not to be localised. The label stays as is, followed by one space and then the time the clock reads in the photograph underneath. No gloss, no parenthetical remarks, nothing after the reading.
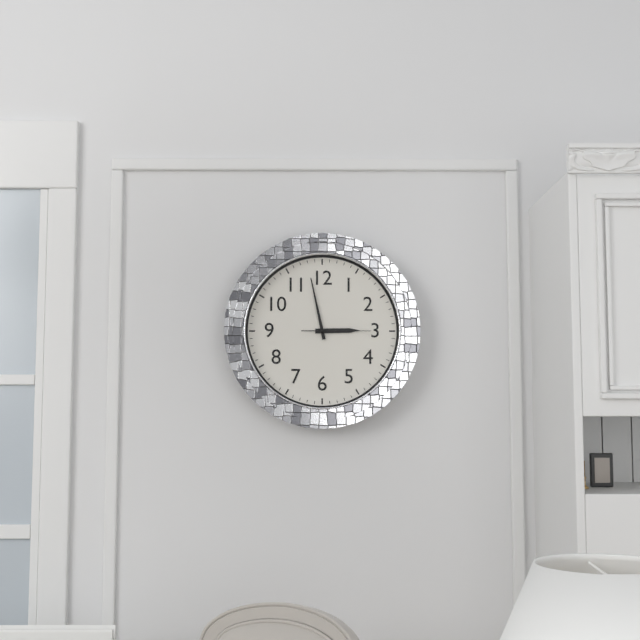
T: 2:58:15
